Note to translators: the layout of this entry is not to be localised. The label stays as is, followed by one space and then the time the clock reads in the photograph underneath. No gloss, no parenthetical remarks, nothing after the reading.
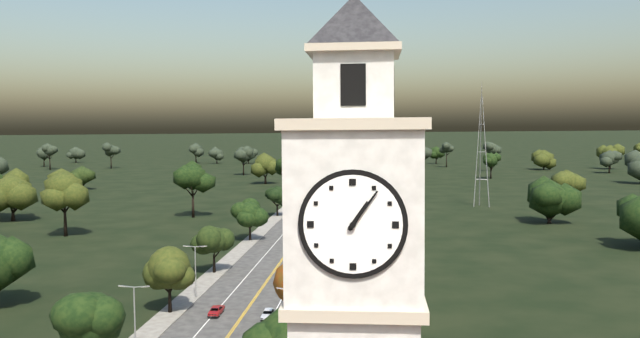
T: 1:06
